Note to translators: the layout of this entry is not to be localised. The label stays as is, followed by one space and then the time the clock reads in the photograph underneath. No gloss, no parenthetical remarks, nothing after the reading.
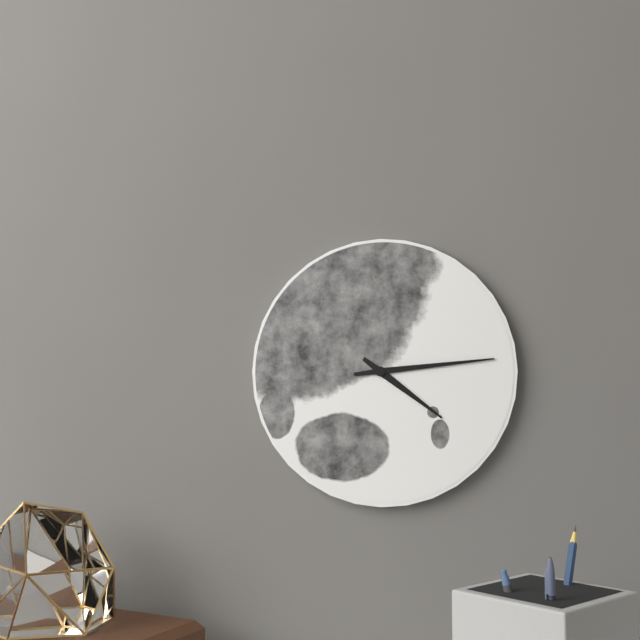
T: 4:14
